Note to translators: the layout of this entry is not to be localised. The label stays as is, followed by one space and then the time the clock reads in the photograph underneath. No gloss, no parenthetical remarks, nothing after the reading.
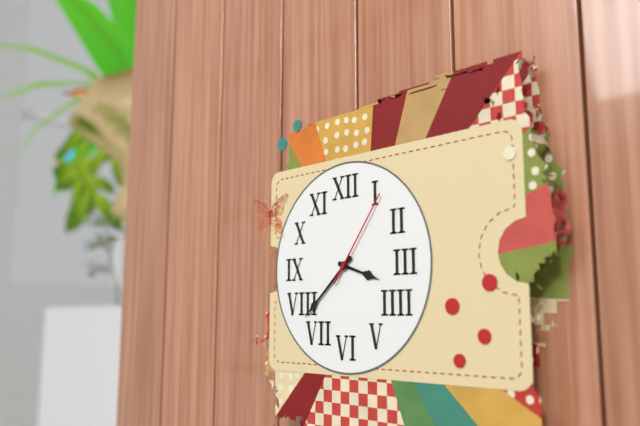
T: 3:38:06
